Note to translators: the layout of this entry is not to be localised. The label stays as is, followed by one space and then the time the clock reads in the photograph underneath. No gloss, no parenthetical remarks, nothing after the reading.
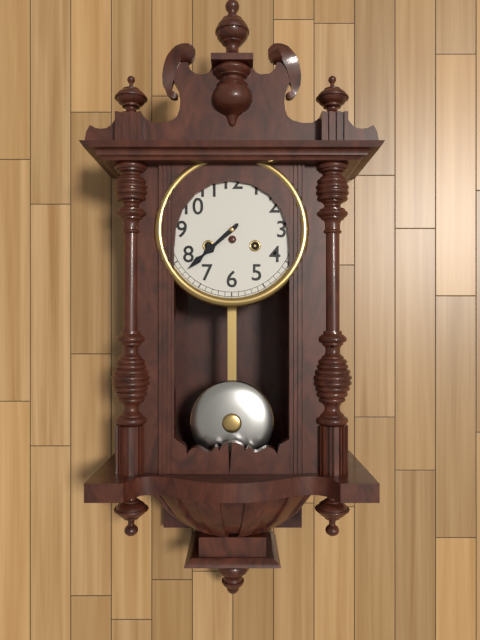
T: 7:38
